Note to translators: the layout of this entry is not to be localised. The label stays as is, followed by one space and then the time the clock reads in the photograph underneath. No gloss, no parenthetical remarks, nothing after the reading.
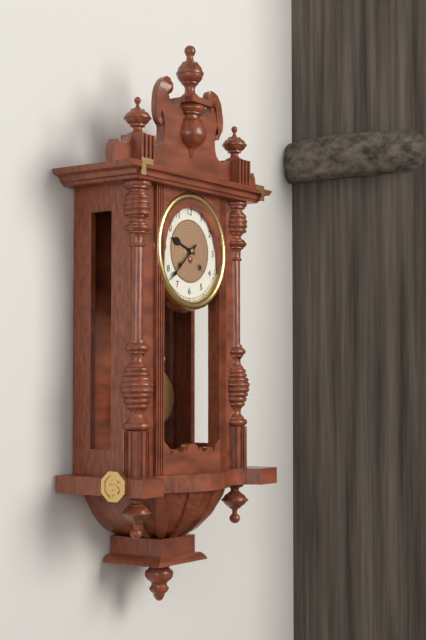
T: 9:38
